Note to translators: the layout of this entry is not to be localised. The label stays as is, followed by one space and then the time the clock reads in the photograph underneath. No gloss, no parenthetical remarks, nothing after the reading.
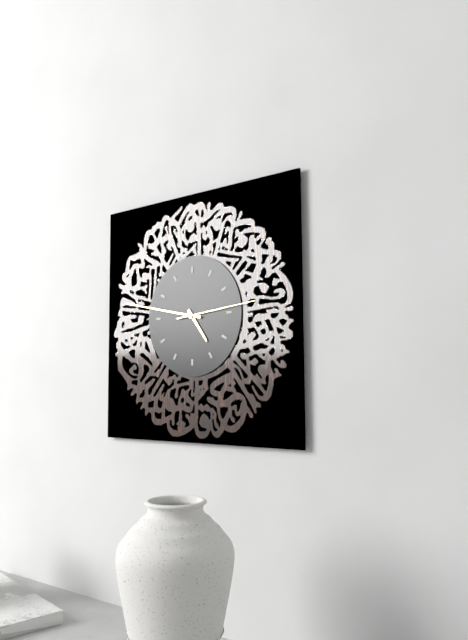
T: 4:47:14
